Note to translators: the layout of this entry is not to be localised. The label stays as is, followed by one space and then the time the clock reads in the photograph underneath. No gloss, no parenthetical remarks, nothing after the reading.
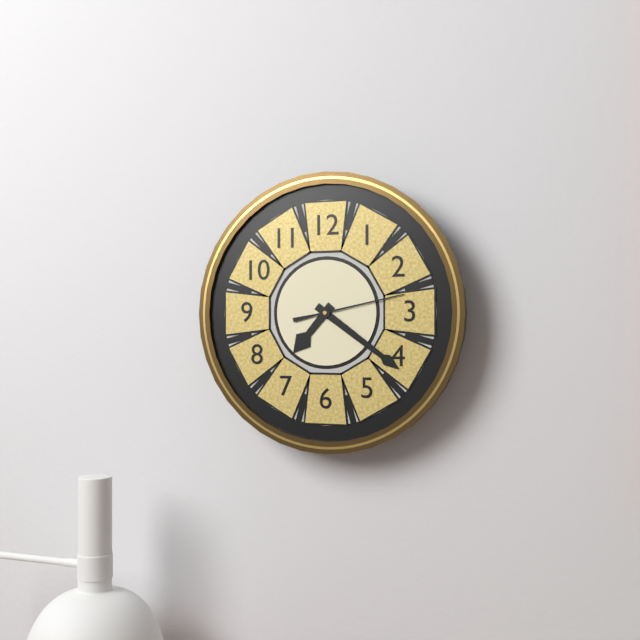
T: 7:21:13
